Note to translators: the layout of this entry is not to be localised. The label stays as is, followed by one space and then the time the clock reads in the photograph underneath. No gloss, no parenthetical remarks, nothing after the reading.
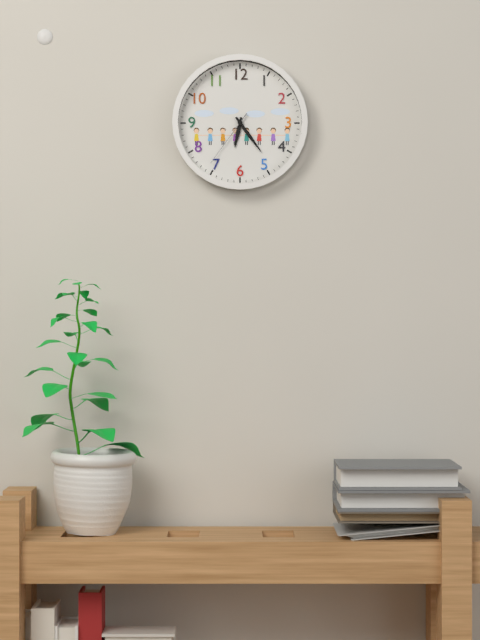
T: 6:24:36
